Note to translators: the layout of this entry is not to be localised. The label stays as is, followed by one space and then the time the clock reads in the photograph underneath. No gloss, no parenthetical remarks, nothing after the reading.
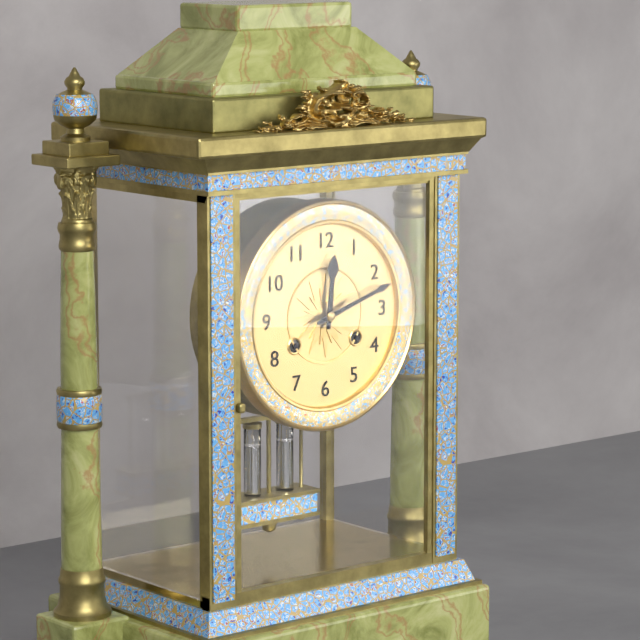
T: 12:12
